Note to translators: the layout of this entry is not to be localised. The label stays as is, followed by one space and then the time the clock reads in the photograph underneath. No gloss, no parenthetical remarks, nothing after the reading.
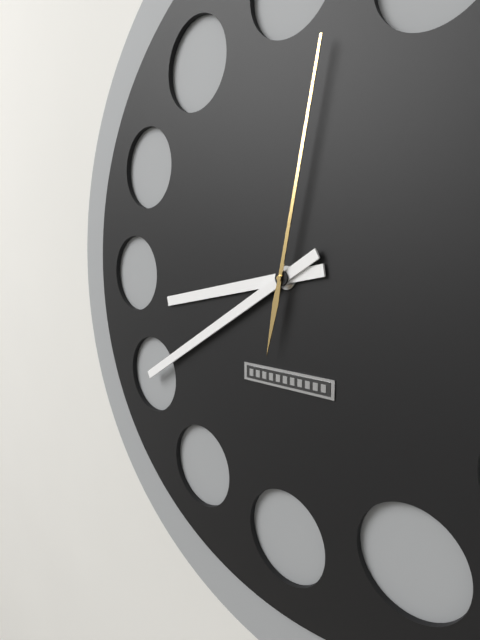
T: 8:40:02
